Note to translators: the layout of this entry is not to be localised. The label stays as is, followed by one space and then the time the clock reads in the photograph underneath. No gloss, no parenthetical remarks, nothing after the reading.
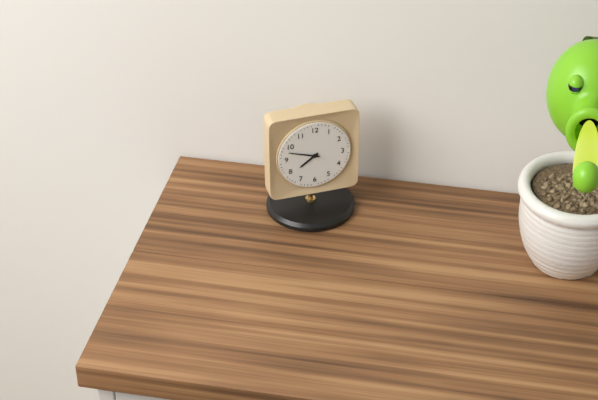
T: 7:48
